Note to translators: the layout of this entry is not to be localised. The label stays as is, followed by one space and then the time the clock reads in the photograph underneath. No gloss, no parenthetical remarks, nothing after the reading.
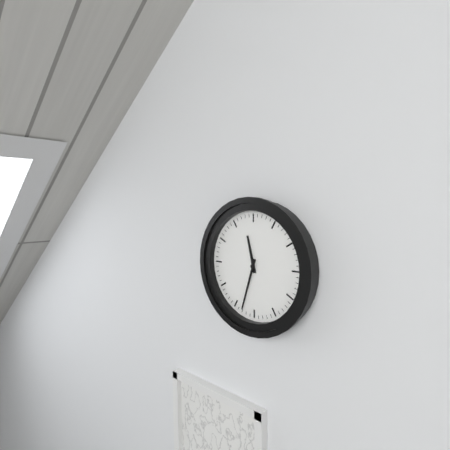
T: 11:33
